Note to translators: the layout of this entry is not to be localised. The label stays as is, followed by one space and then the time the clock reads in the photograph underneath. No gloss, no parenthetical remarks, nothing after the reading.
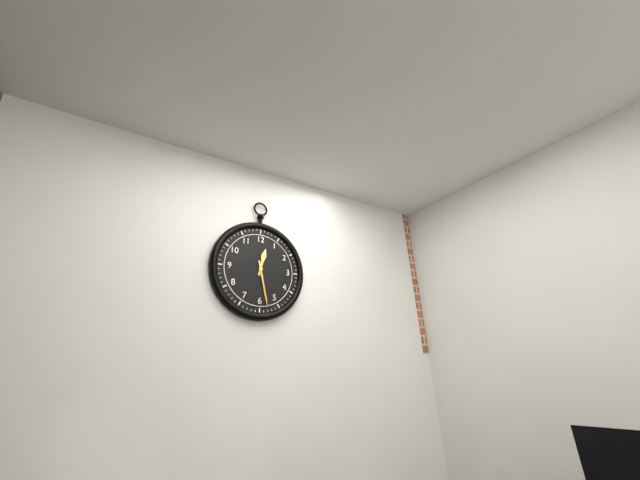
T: 12:28
